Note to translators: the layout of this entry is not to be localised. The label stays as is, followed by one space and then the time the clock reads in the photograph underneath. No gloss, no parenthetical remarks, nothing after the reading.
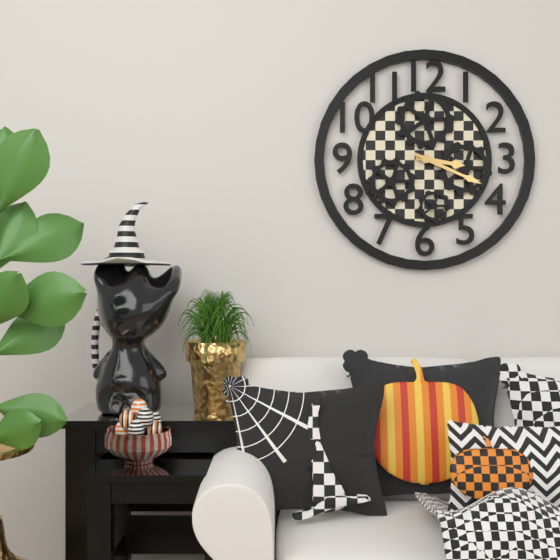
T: 3:19
